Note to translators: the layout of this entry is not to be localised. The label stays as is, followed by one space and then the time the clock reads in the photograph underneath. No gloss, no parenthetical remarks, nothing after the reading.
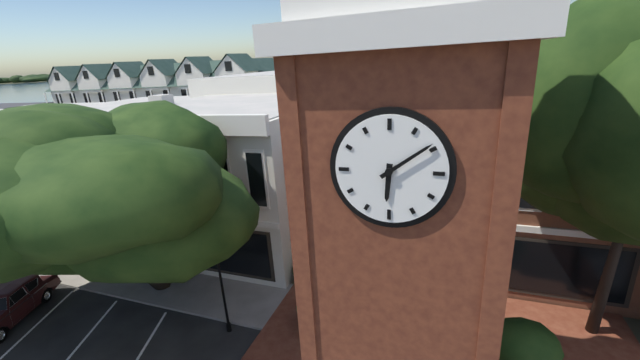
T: 6:09
